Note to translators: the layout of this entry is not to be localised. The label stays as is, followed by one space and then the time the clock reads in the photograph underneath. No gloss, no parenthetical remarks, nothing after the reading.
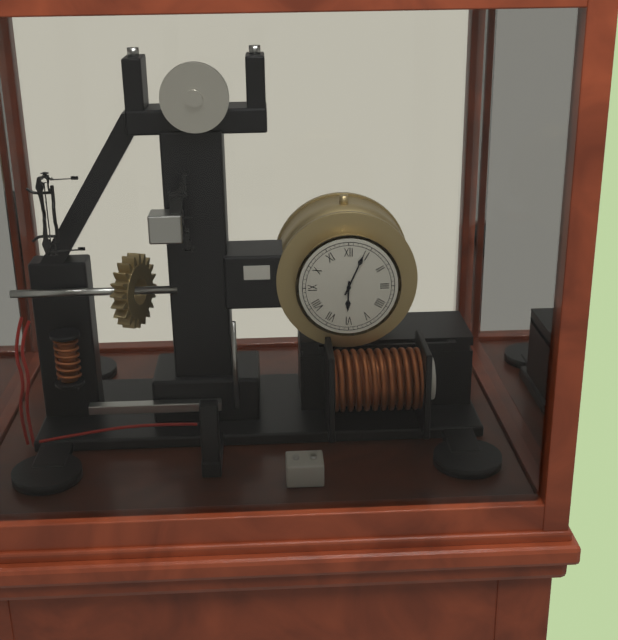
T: 6:04
